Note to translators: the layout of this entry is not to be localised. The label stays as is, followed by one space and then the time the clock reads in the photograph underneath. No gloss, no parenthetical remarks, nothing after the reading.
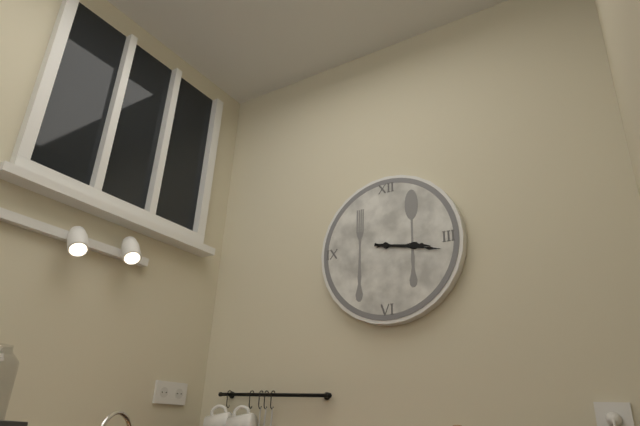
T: 3:17
